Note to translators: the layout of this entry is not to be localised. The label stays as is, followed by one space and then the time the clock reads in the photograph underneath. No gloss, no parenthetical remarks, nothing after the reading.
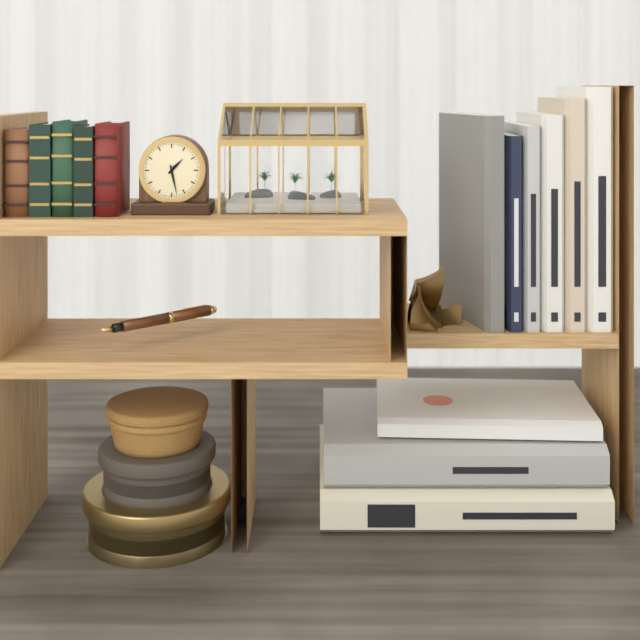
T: 1:28
